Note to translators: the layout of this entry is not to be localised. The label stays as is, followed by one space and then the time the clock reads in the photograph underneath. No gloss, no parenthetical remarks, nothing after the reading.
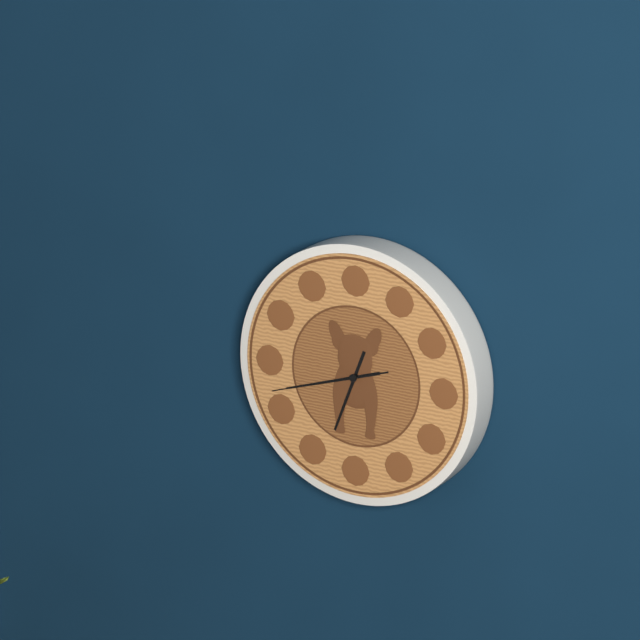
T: 6:42:42
